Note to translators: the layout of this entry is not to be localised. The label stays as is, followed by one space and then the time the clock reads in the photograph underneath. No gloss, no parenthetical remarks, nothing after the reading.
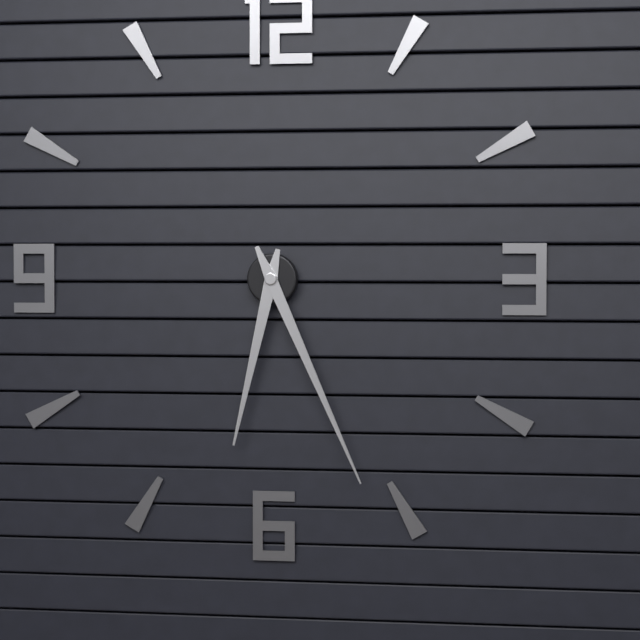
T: 6:26
